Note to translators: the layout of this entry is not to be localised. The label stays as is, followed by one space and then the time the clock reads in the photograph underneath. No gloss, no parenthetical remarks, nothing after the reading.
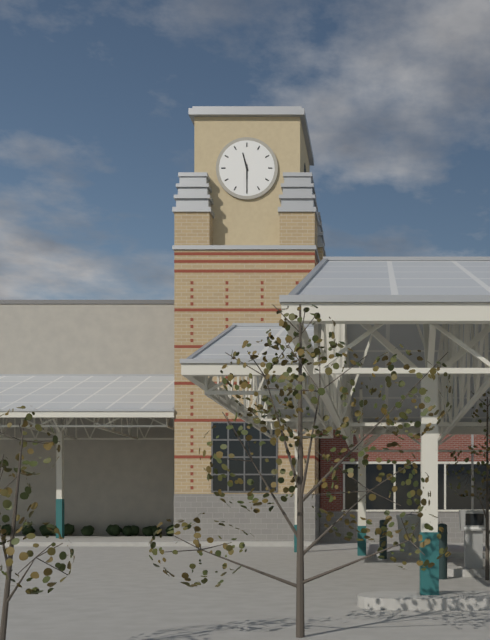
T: 11:30
